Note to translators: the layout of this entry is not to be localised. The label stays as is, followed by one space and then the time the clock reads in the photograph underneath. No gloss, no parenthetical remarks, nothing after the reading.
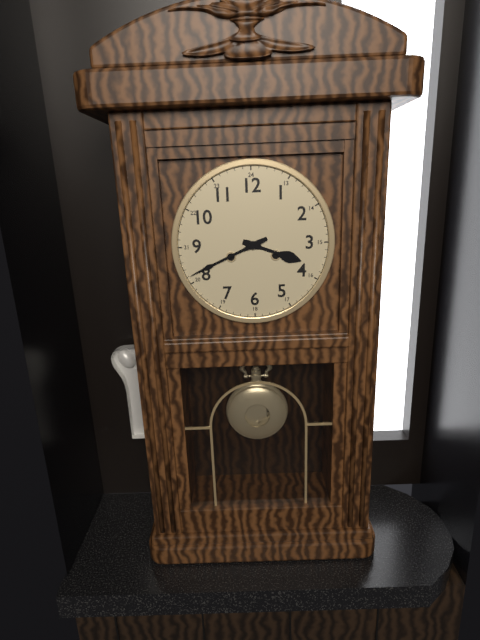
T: 3:41
